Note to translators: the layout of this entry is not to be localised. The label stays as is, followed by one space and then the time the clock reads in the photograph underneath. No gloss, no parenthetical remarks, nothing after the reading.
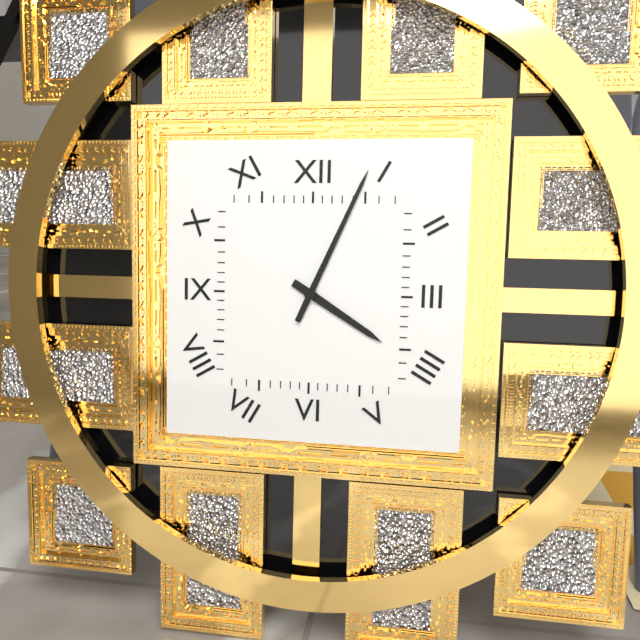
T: 4:04
